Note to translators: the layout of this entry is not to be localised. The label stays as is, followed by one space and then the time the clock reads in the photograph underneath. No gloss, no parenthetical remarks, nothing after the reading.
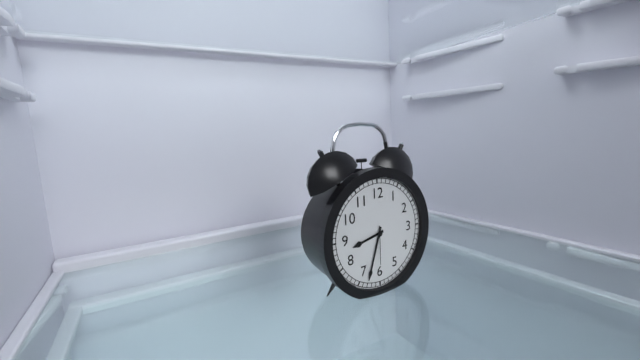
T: 8:33
